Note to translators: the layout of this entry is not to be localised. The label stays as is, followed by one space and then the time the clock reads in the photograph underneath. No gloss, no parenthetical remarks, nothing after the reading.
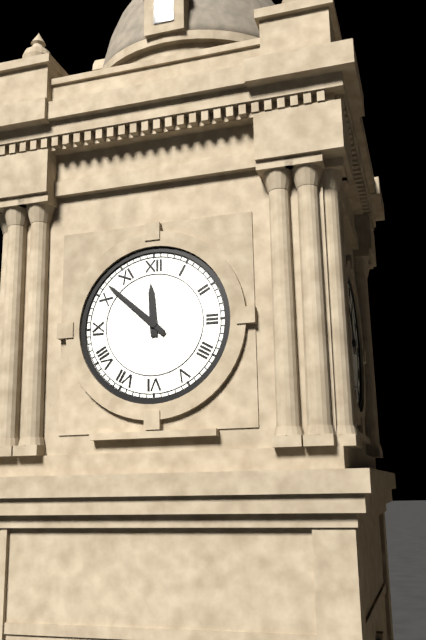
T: 11:52
